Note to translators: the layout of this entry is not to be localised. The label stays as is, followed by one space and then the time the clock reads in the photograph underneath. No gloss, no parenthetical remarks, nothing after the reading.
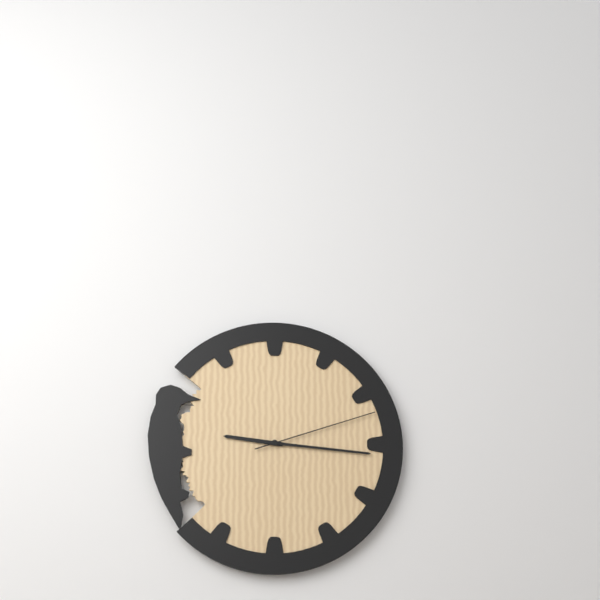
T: 9:16:12
